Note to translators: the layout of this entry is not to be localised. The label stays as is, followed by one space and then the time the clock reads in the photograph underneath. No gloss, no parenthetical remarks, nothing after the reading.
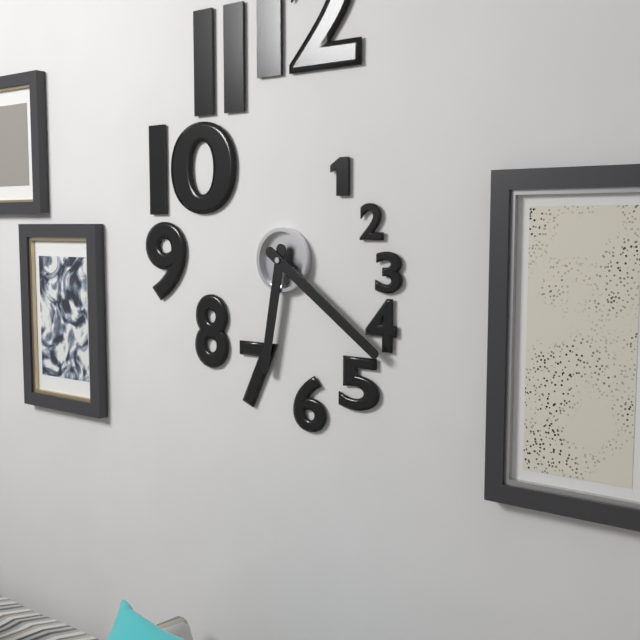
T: 6:21
